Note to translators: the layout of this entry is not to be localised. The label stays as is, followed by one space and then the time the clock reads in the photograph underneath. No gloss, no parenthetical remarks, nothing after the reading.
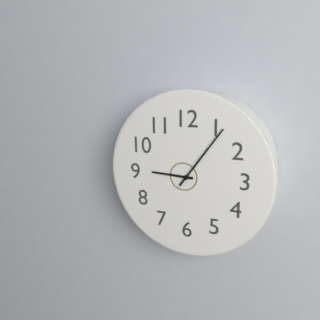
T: 9:06
